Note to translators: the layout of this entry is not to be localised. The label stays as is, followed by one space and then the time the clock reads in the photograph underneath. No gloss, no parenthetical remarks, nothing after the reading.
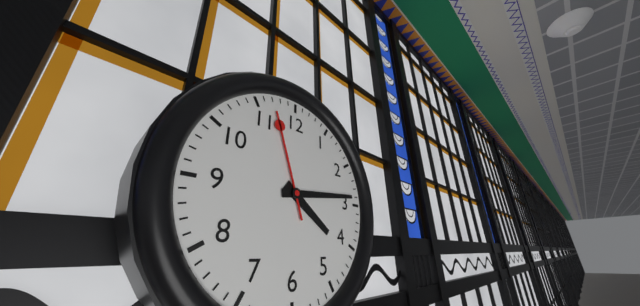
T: 4:14:57
